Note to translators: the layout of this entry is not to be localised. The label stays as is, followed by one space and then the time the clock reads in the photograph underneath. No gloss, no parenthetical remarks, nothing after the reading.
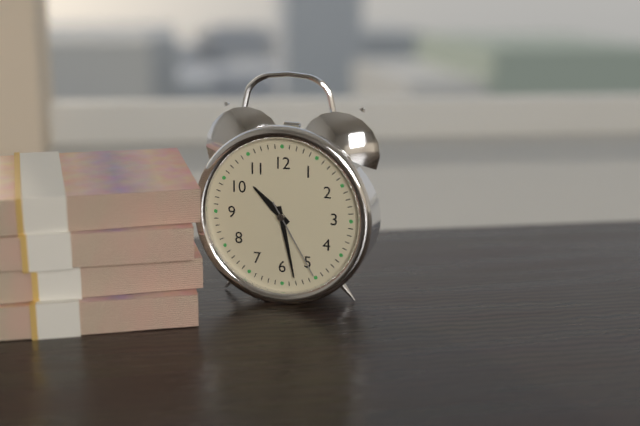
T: 10:28:25
